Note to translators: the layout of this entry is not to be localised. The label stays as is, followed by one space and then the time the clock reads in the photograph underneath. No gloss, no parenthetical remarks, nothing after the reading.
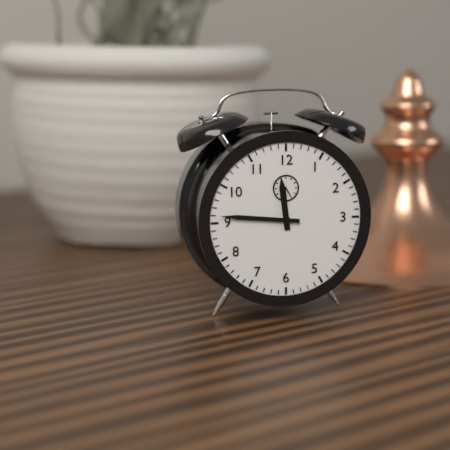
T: 11:46
